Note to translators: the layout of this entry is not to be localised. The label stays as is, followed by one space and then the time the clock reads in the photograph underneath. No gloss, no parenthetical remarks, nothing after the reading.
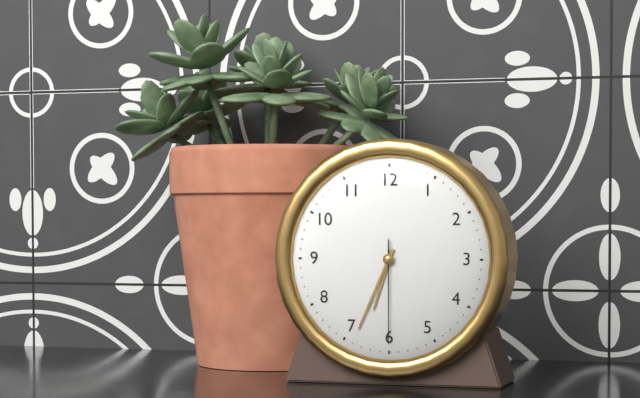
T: 6:34:30
